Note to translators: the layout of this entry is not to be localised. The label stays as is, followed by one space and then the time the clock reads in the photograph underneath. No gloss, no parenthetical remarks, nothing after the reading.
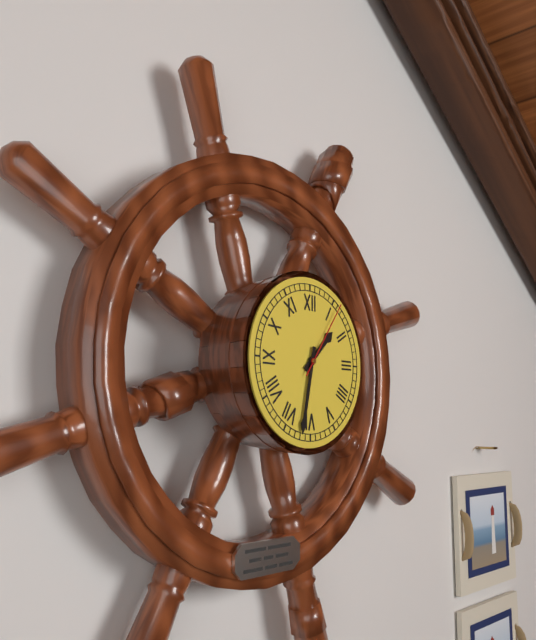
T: 1:32:06
